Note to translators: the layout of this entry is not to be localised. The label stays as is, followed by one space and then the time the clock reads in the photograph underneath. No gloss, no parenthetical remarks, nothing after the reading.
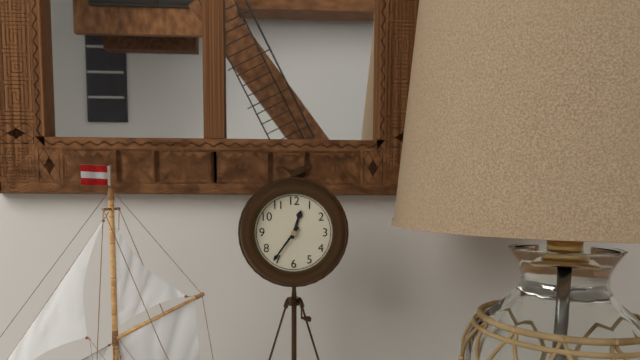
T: 12:36
